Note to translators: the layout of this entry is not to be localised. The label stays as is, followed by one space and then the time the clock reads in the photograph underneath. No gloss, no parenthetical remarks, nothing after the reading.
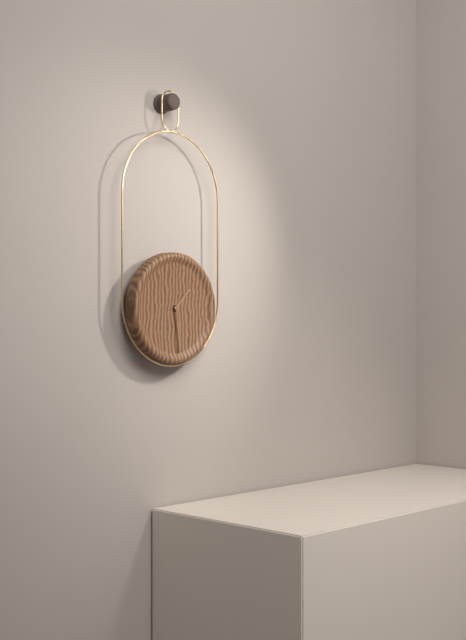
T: 1:29
